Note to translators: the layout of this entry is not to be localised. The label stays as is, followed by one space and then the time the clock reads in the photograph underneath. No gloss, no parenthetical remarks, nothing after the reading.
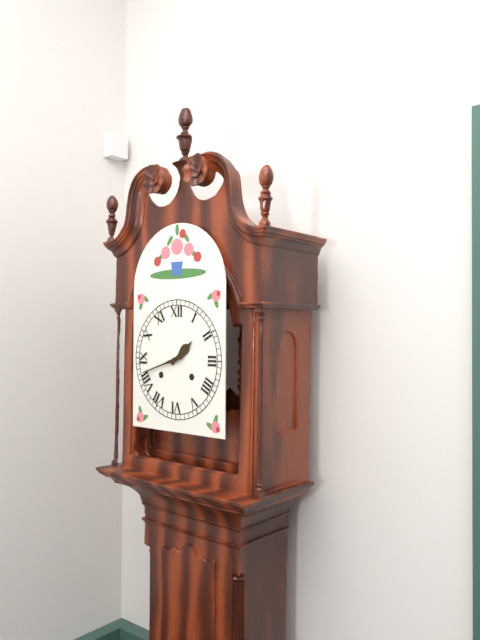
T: 1:42
